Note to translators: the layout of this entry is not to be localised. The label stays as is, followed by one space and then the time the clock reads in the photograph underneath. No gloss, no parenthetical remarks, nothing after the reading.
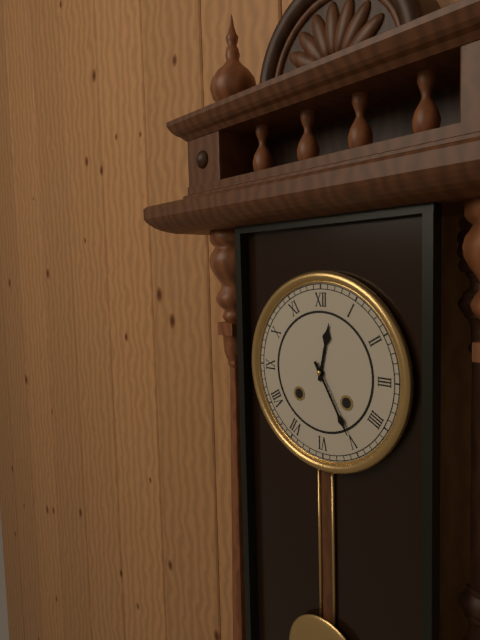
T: 12:25
